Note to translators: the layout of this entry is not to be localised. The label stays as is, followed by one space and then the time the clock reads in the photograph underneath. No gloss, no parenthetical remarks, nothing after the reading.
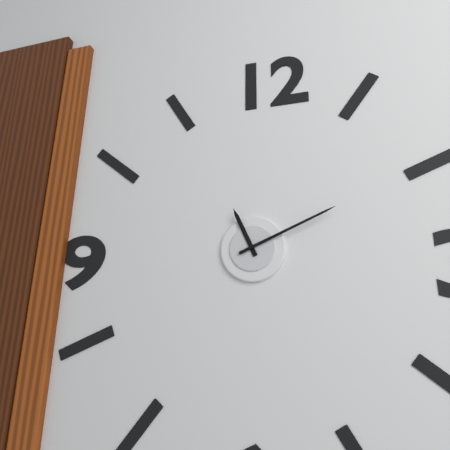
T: 11:11
